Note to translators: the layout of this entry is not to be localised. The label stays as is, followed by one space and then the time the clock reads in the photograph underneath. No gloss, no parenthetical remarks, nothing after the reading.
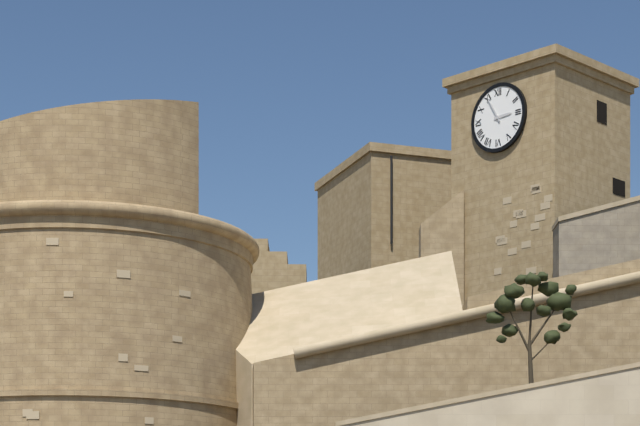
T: 2:55
